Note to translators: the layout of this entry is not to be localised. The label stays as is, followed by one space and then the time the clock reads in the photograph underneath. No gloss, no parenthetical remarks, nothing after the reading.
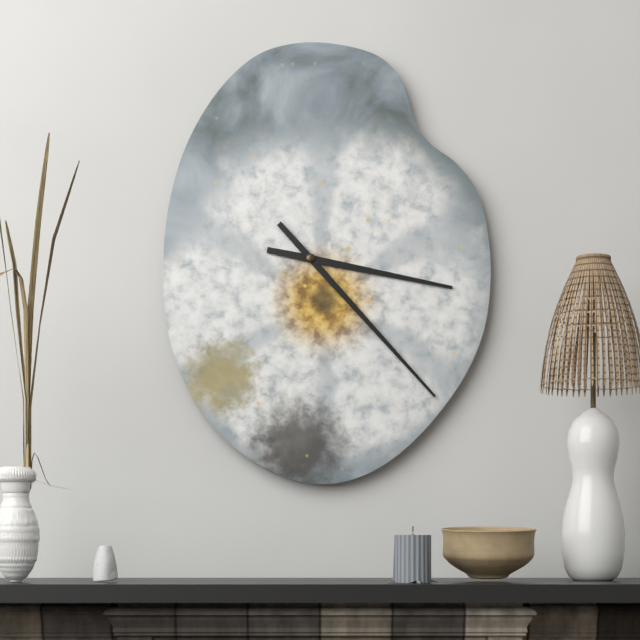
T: 3:23
